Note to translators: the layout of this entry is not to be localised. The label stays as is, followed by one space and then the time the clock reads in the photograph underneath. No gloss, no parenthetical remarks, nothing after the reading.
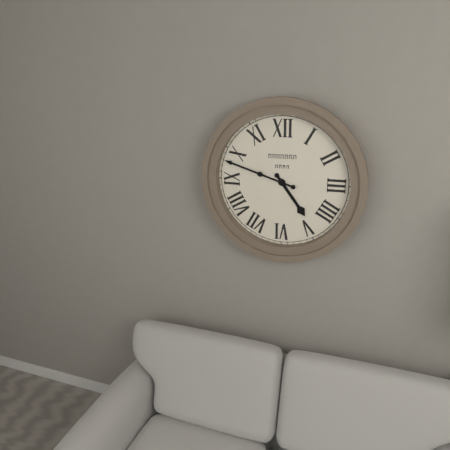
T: 4:48
